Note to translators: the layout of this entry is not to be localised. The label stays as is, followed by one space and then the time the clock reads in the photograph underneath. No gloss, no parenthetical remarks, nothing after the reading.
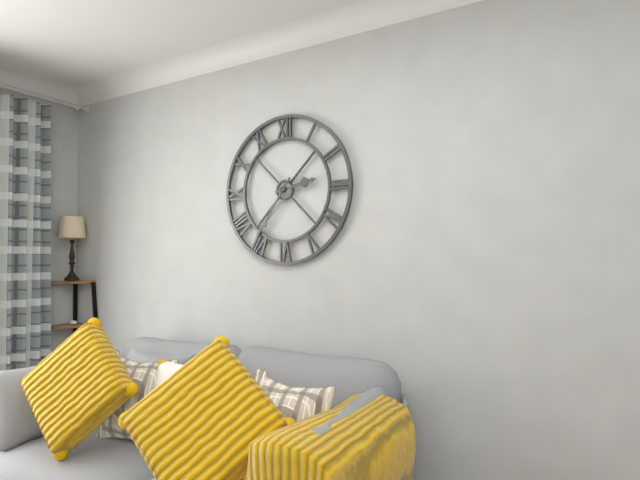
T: 2:36
